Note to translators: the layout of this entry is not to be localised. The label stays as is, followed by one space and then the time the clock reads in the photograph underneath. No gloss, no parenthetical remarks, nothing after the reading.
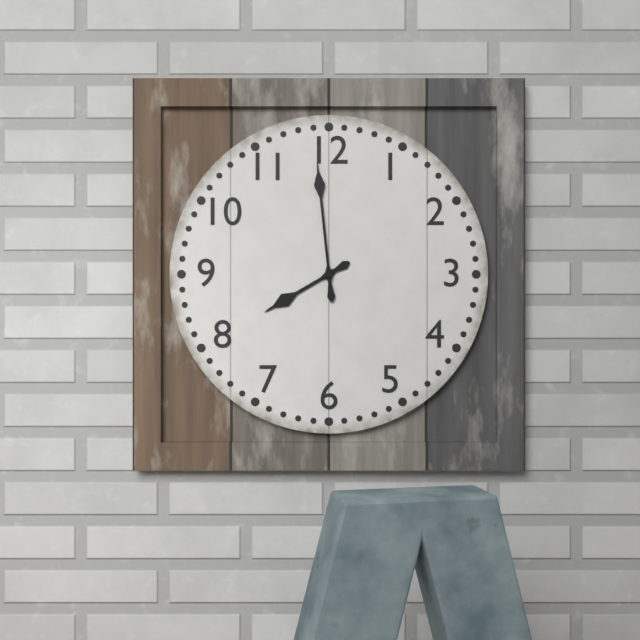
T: 7:59
